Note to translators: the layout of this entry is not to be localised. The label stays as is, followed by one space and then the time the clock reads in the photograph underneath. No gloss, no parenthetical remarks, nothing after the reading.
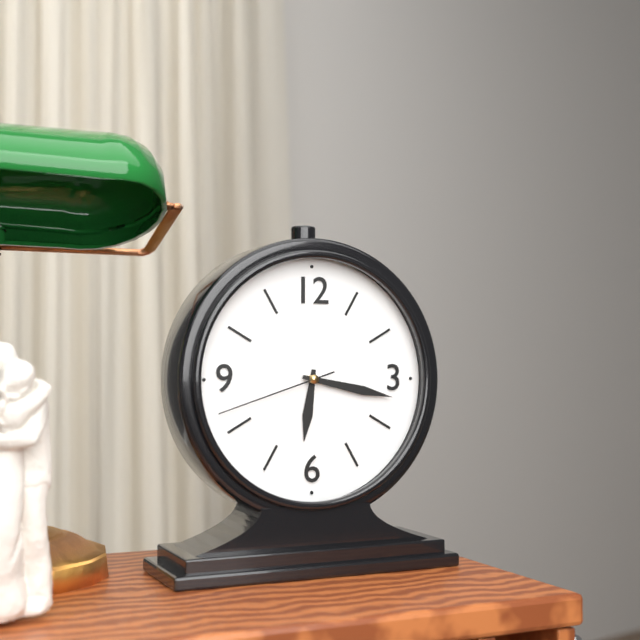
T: 6:17:42
